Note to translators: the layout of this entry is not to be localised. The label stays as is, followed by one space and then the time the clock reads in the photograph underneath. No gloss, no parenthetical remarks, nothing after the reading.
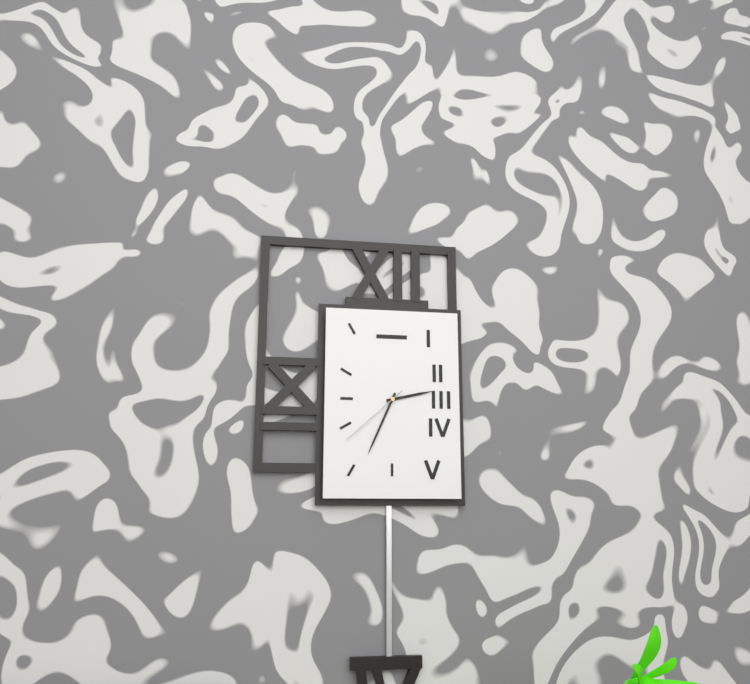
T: 2:34:38
